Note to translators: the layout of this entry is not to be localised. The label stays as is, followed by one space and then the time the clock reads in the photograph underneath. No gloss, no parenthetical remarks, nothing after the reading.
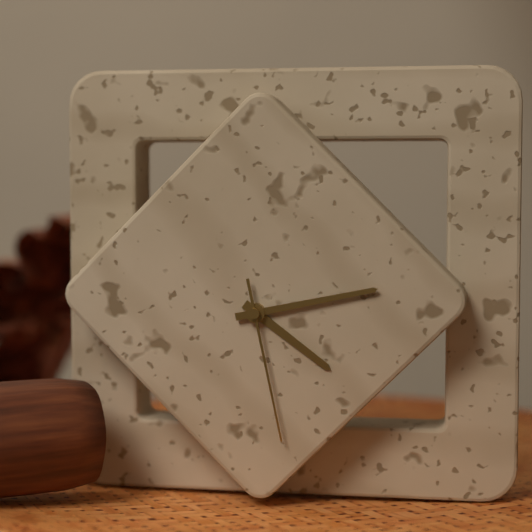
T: 4:13:28
